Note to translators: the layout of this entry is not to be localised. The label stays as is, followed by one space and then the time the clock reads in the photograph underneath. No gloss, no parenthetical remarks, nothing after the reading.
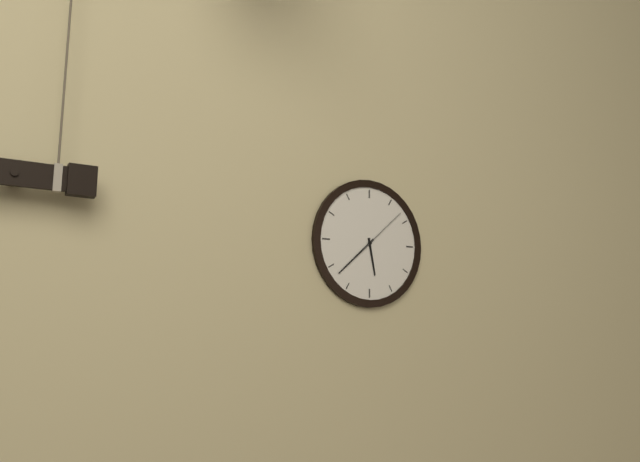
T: 5:38:08
